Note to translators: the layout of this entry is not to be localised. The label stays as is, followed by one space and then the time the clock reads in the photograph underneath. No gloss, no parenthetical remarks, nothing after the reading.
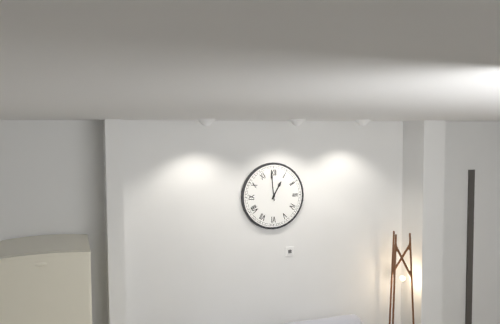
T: 12:59
